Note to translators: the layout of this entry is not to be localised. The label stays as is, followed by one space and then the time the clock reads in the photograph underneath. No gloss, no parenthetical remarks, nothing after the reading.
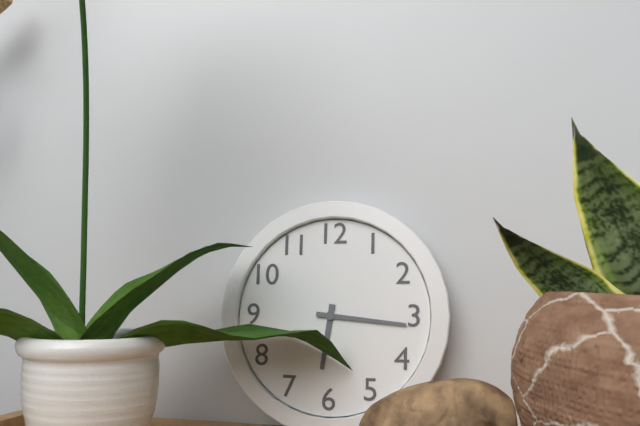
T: 6:16
